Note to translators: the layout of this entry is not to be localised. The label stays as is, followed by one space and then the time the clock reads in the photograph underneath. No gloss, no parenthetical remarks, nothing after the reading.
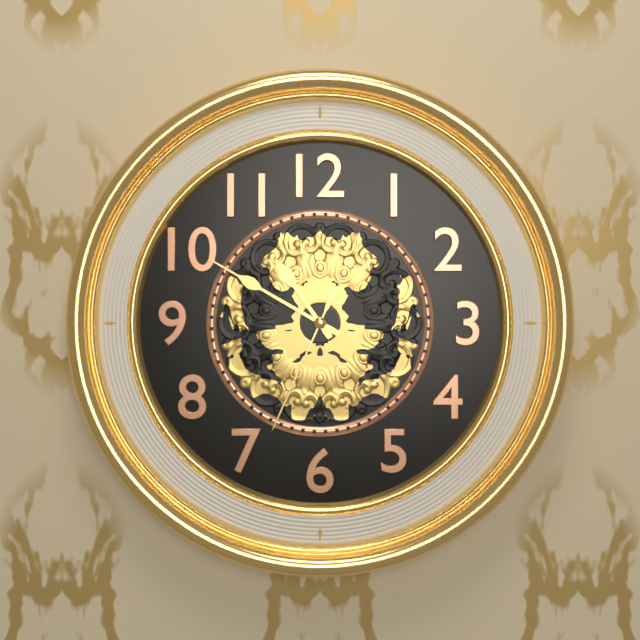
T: 10:50:34
